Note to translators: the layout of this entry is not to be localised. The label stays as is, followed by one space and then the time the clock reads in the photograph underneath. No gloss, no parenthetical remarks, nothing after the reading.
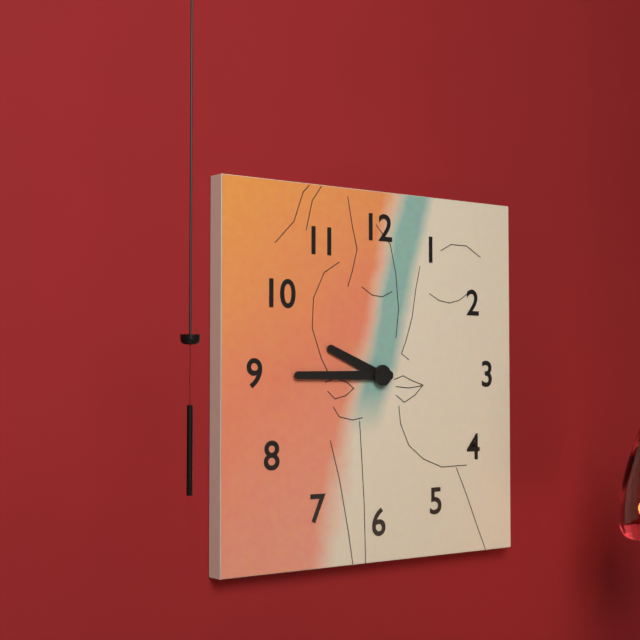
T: 9:45
